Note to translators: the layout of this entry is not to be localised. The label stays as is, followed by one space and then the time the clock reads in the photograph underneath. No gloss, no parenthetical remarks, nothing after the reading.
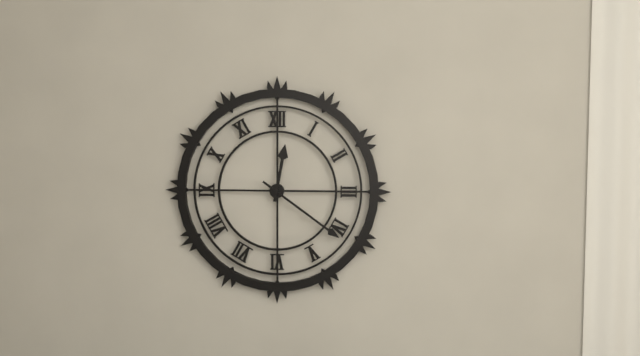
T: 12:21
